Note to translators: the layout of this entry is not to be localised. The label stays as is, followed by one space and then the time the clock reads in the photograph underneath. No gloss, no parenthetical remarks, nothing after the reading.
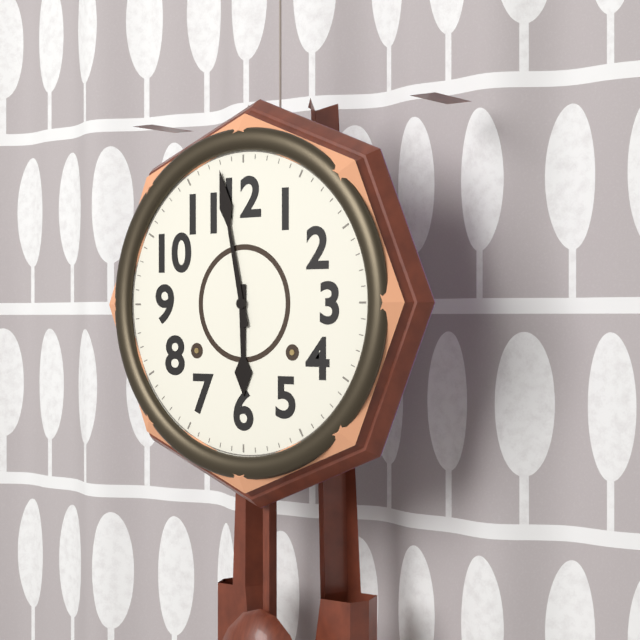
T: 5:58
